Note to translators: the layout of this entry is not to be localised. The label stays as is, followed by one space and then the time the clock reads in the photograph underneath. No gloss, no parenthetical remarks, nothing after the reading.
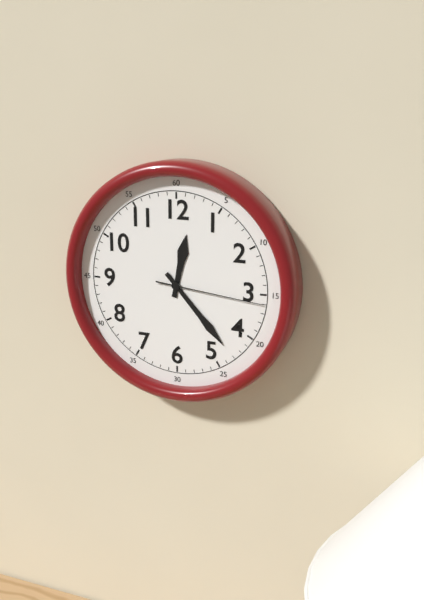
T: 12:23:16
